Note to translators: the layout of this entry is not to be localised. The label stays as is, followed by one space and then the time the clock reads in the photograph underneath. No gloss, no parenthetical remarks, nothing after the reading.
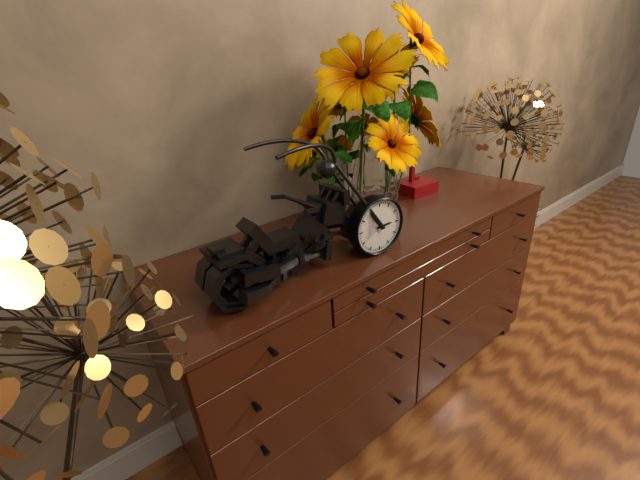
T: 2:54
